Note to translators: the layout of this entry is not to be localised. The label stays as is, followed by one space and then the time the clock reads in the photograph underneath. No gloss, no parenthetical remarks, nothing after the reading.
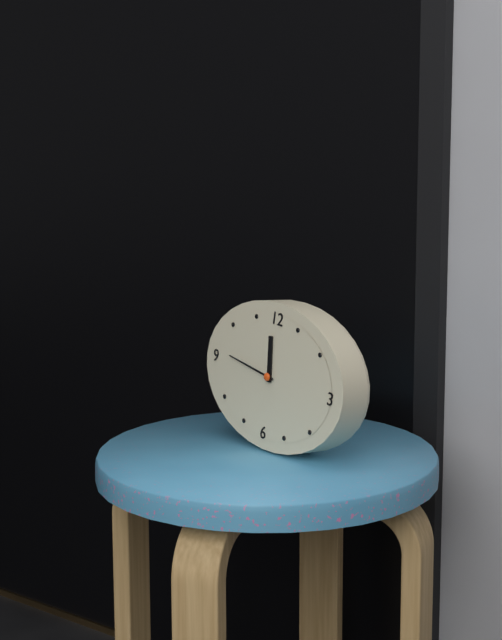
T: 11:46
